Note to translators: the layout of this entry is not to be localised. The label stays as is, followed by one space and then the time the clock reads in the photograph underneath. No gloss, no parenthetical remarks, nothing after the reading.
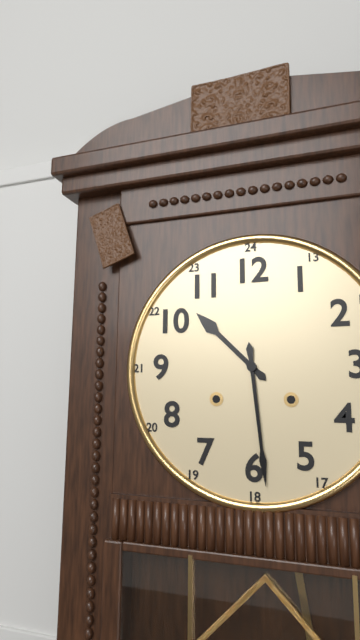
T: 10:29
